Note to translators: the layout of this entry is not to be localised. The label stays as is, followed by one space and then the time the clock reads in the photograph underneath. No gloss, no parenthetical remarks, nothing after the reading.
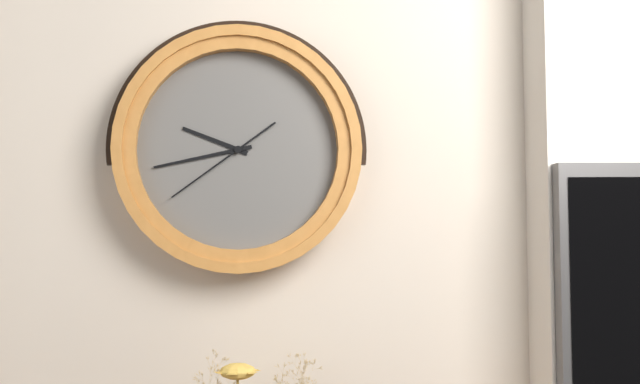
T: 9:43:39
